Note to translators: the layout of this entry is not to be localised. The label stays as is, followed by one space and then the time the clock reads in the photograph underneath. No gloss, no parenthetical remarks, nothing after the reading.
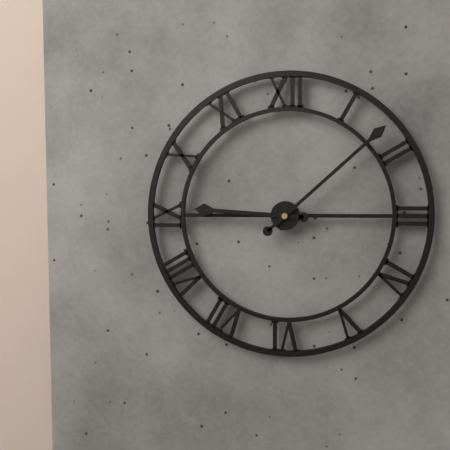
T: 9:08
